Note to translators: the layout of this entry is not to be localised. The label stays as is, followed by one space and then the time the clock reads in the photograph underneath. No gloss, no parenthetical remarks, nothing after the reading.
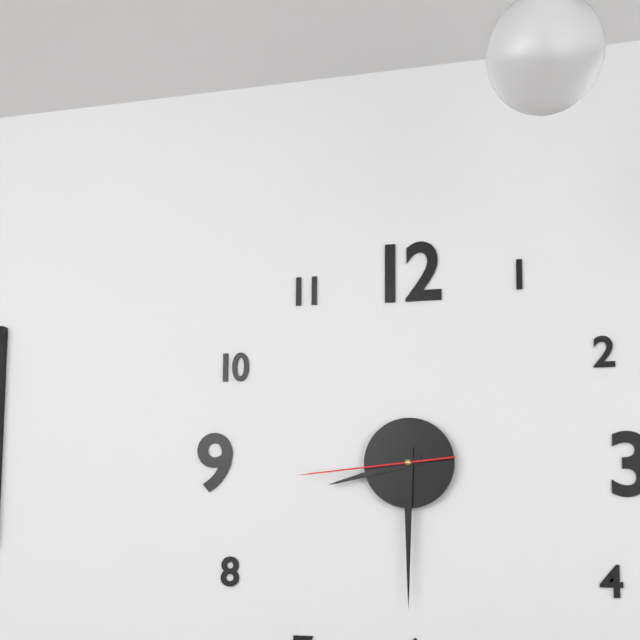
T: 8:30:44
